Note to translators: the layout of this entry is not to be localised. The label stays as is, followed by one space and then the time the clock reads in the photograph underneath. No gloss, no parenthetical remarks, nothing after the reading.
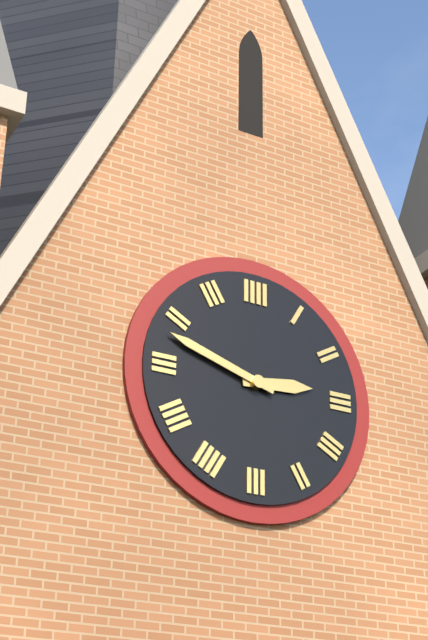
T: 2:48
